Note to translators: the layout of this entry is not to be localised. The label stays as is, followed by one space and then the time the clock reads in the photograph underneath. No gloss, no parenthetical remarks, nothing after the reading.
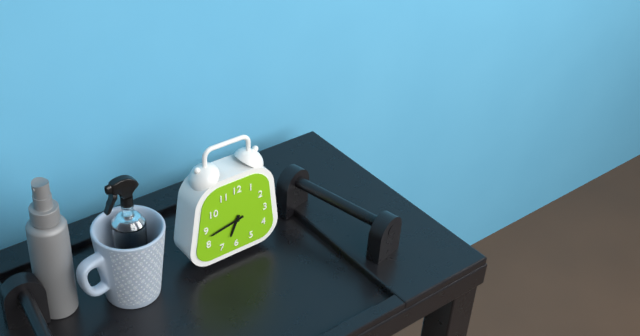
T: 6:43
